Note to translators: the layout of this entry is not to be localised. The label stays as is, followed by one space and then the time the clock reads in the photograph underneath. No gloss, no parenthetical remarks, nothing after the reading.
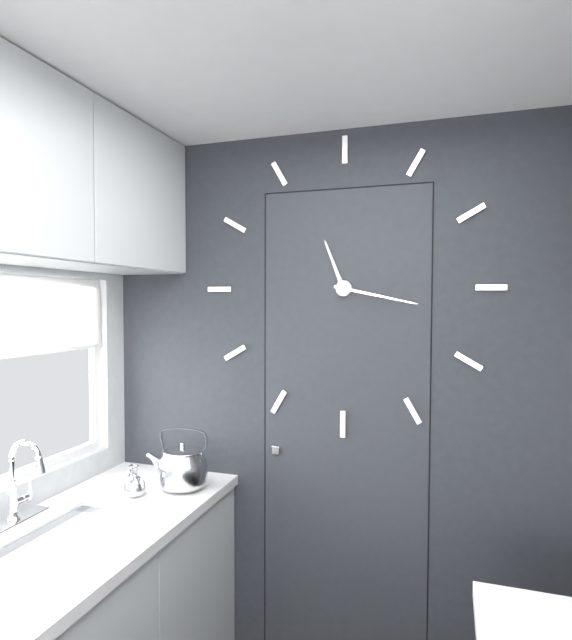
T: 11:17
